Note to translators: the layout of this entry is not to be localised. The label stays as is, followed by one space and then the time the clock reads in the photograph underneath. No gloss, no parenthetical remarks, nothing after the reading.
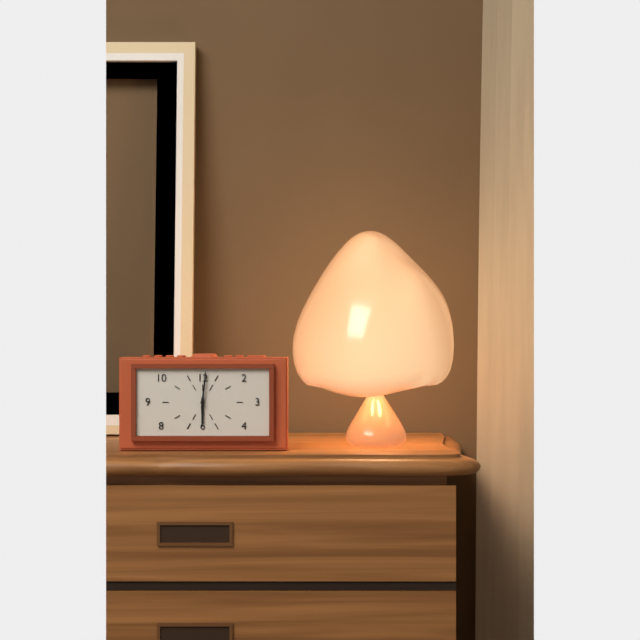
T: 6:01
